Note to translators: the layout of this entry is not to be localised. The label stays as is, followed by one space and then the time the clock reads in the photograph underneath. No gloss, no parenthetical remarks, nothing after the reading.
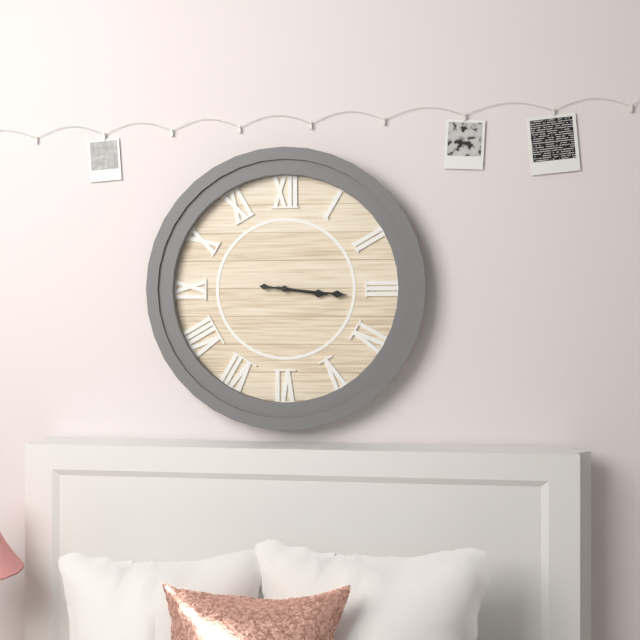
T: 3:16
